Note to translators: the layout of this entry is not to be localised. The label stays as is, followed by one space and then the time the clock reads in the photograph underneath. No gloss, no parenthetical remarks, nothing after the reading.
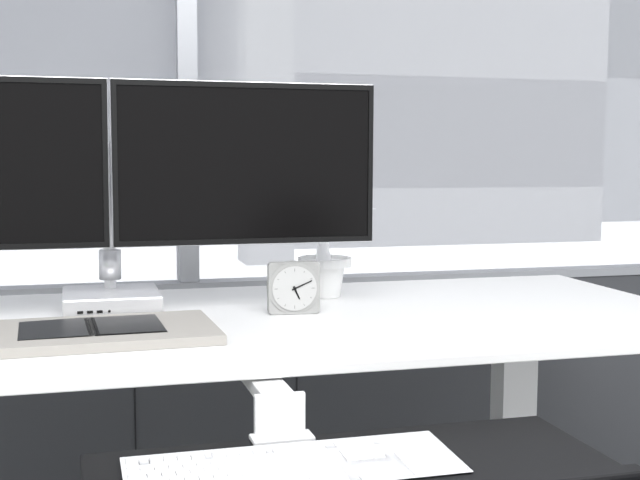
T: 5:11
